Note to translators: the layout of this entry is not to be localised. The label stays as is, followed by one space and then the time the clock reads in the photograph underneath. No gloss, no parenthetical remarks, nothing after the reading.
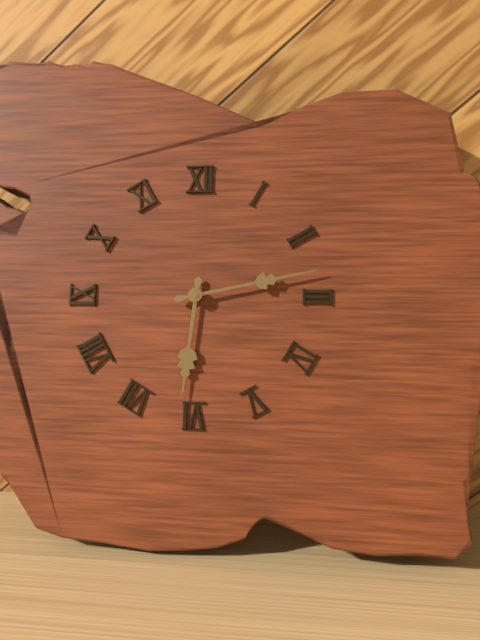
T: 6:13
